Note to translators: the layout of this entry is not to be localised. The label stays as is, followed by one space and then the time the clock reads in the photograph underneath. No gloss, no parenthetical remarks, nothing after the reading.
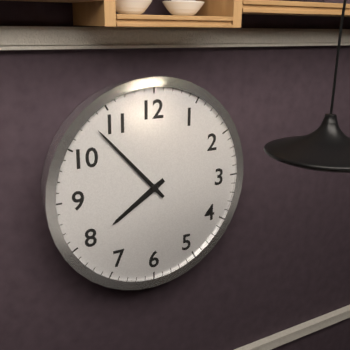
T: 7:53
